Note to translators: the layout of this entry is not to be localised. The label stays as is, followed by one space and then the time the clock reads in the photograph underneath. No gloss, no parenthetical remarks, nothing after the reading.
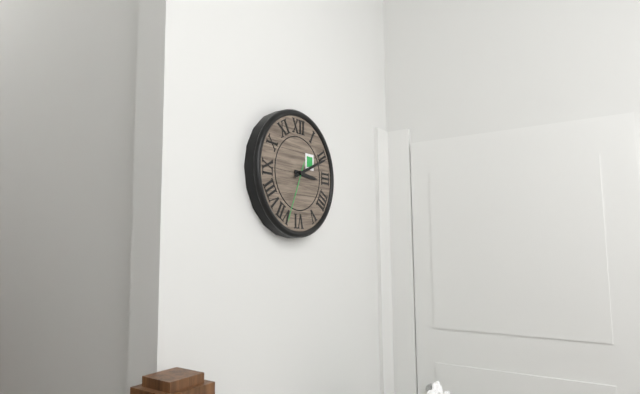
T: 3:11:34
